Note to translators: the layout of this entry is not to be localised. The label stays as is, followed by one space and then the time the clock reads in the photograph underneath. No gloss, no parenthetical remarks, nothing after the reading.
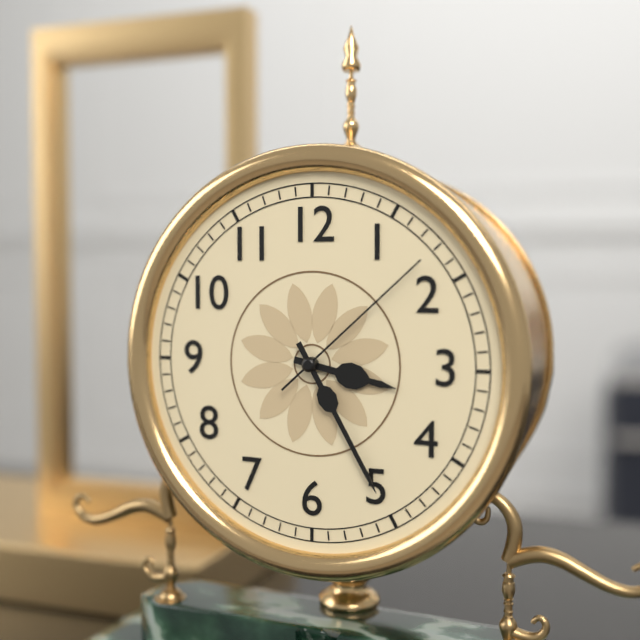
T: 3:25:08
